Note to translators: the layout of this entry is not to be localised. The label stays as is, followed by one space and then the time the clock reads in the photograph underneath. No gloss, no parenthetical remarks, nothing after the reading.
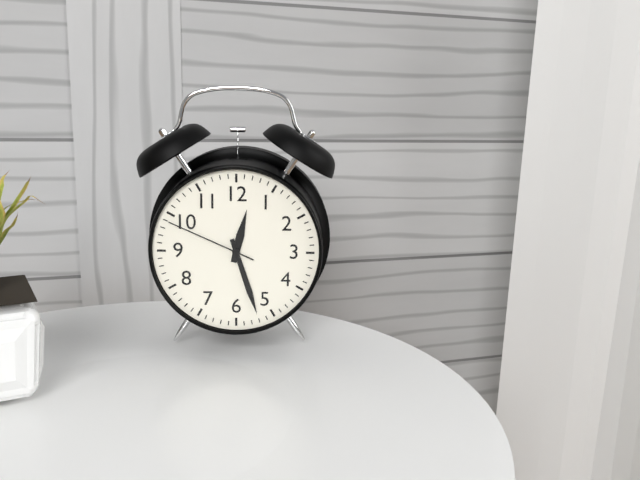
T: 12:27:49
